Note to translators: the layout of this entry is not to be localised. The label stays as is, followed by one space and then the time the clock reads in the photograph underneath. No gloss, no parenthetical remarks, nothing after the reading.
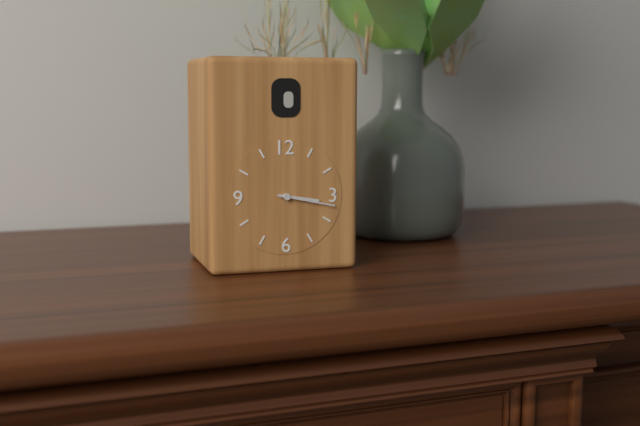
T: 3:17
